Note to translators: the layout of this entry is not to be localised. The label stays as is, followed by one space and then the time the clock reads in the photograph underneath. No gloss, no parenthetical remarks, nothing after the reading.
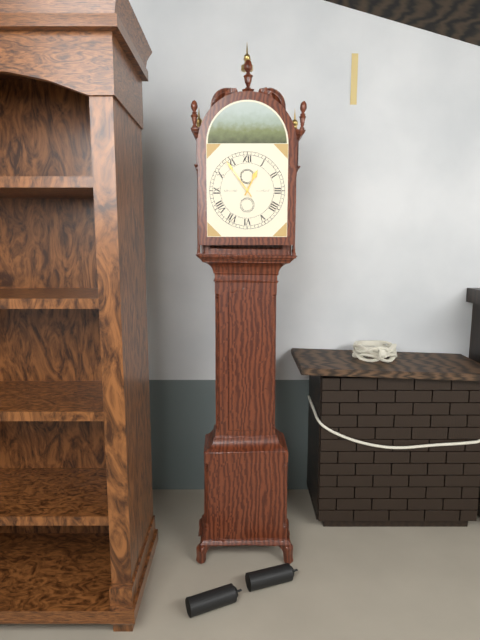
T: 12:54
